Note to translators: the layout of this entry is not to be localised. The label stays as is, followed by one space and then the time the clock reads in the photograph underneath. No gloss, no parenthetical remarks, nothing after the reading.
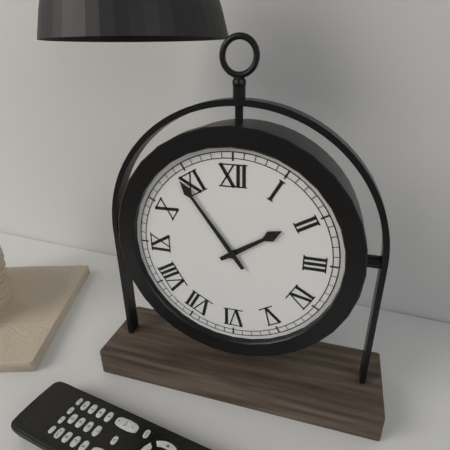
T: 1:54
